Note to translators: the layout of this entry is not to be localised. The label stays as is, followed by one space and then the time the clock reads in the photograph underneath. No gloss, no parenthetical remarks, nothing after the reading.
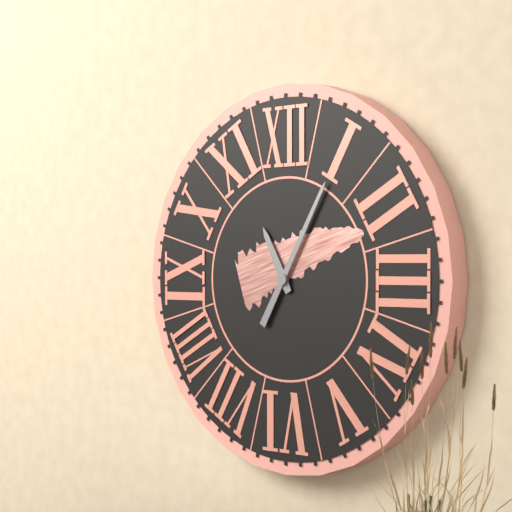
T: 11:05
